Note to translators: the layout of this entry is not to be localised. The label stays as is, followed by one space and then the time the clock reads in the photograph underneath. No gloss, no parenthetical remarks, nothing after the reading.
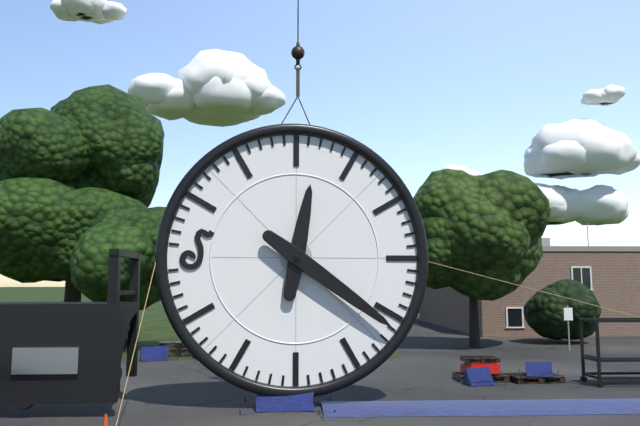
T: 12:21
